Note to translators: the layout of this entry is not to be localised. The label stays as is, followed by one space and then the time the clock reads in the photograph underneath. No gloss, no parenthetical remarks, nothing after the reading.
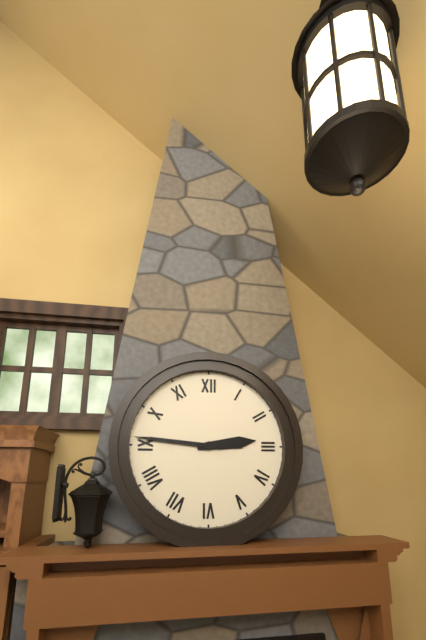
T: 2:46
